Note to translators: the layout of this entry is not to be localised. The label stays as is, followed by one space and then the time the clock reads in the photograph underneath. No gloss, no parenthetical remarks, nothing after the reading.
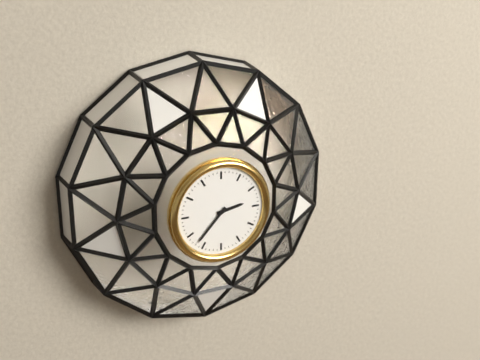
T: 2:37
